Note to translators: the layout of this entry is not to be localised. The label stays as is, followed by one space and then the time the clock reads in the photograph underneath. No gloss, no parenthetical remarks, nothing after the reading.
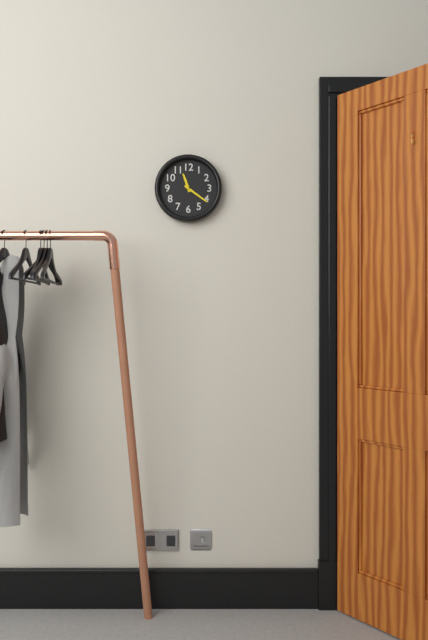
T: 11:21
